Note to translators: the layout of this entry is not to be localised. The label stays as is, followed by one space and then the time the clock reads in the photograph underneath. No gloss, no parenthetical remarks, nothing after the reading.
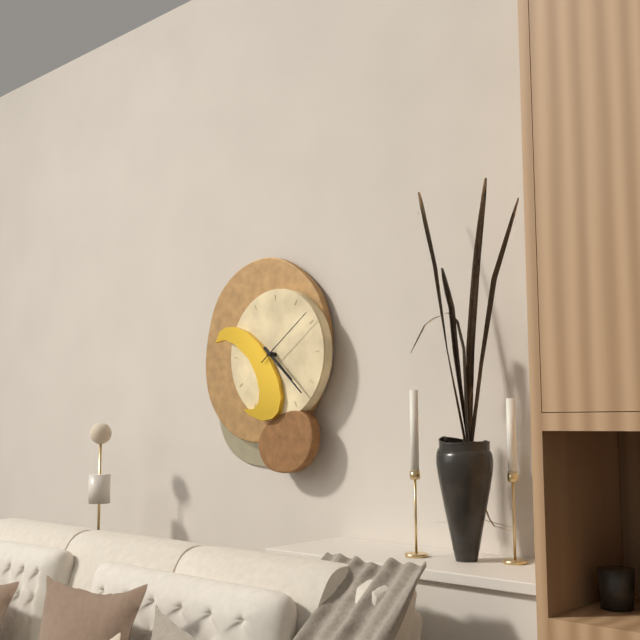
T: 4:22:09
